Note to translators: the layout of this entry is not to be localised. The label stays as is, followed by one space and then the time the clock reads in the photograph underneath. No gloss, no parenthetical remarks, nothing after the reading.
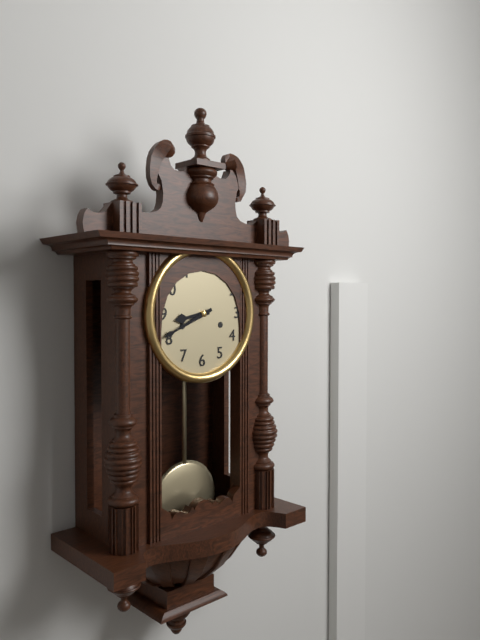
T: 8:41
